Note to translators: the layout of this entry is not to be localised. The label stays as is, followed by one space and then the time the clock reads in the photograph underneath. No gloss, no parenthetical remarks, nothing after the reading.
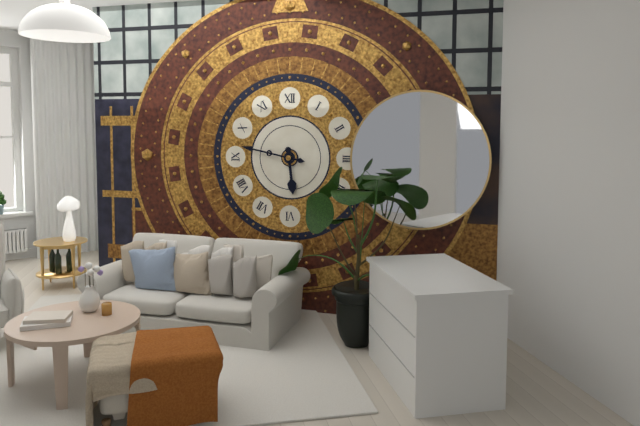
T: 5:47
